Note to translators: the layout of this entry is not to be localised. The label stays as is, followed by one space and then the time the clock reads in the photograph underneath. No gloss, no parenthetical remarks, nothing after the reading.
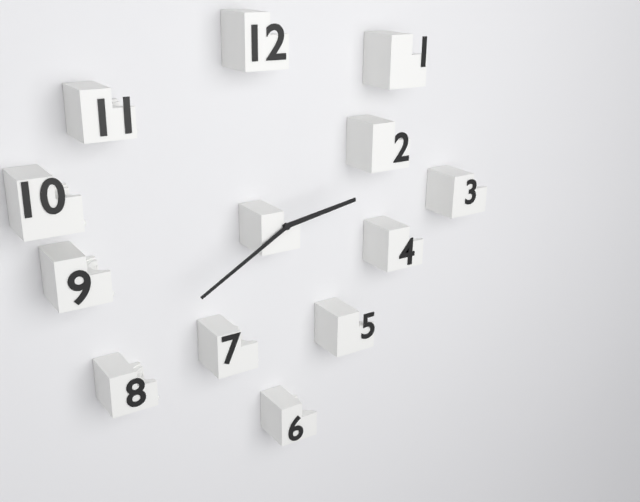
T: 2:40
